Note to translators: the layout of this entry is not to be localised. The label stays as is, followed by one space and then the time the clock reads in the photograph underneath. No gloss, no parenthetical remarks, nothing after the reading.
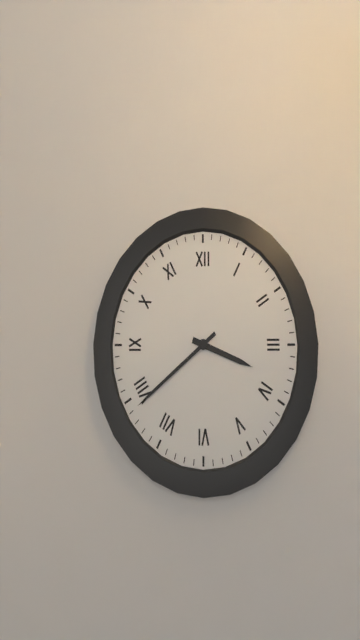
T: 3:39
